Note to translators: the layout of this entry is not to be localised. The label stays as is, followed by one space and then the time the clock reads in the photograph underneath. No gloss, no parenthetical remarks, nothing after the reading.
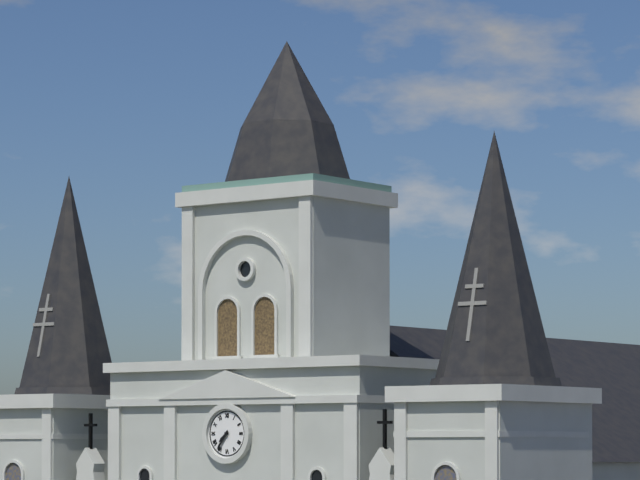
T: 7:36
